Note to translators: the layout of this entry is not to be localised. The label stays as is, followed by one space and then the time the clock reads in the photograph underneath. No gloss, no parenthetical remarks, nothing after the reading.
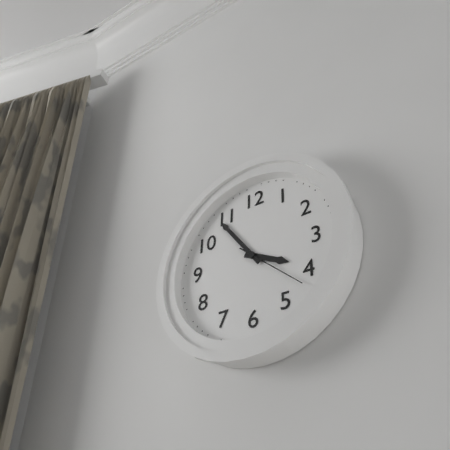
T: 3:54:22
